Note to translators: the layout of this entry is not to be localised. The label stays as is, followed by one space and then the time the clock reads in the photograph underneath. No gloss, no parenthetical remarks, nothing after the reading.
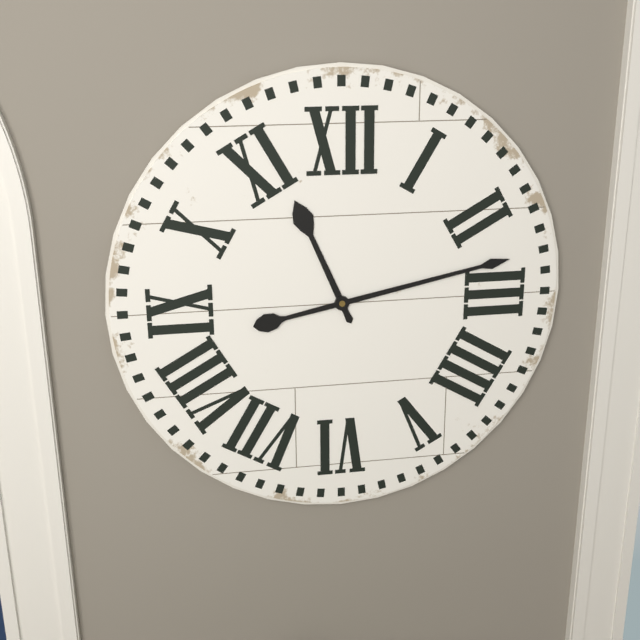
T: 11:13
